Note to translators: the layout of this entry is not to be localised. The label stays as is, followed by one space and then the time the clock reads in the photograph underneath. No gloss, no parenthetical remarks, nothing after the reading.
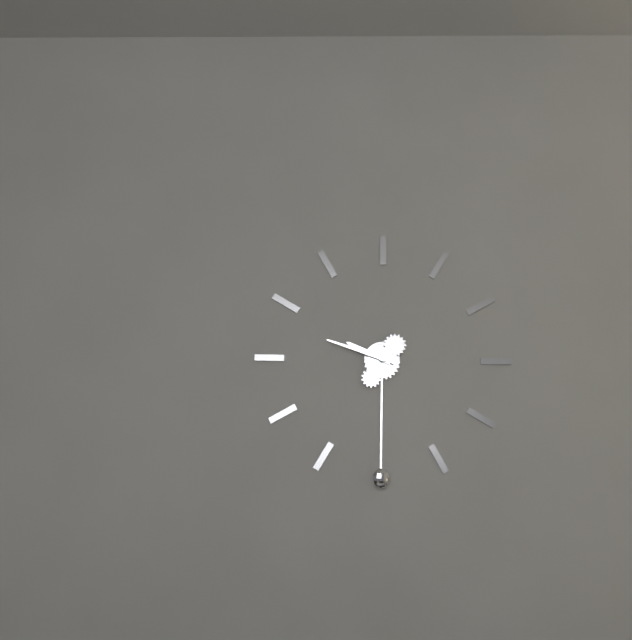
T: 9:48
